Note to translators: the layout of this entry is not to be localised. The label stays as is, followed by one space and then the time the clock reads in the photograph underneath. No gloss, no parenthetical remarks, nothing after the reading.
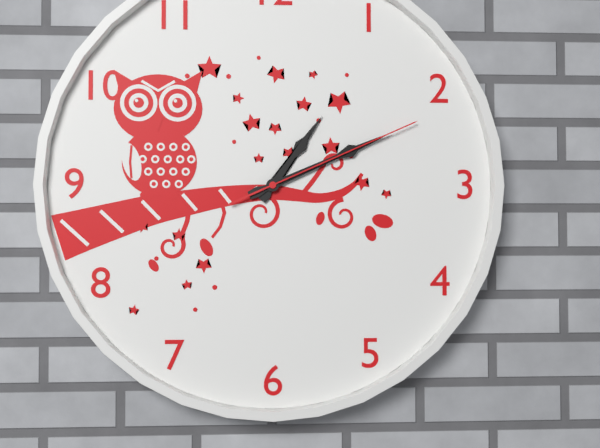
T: 1:11:11
